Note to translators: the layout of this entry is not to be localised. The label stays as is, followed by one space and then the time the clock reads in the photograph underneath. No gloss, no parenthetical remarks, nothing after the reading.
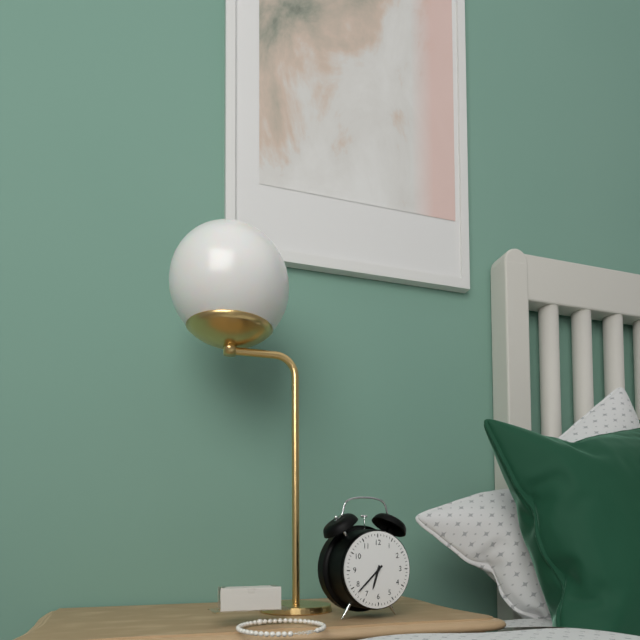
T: 6:38
